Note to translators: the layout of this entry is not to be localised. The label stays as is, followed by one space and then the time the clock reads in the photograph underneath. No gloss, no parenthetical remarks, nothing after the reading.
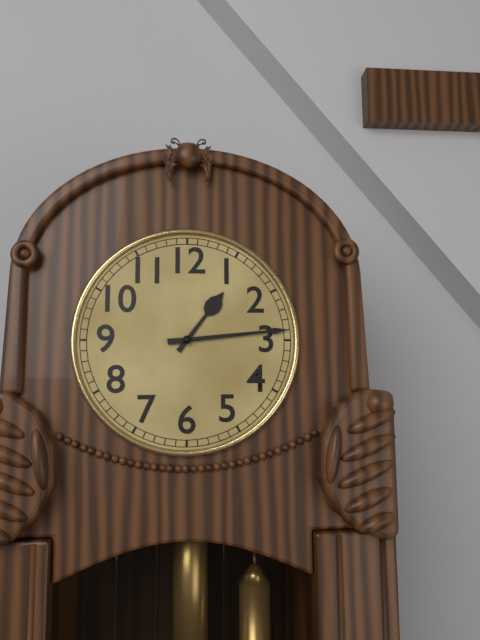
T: 1:14
